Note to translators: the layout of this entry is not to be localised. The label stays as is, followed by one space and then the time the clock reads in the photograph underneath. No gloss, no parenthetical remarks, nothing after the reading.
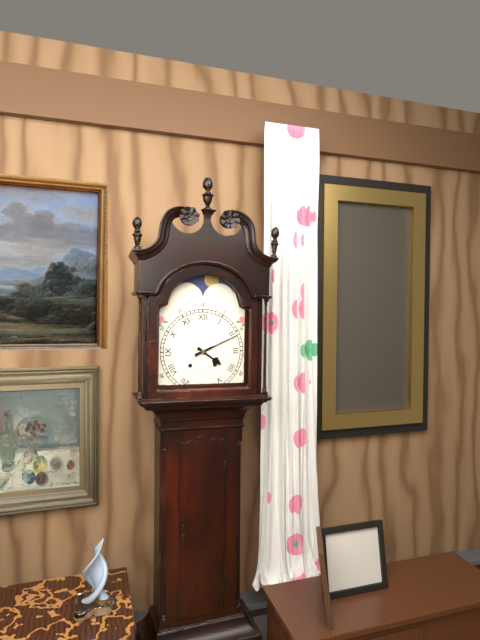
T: 4:11
